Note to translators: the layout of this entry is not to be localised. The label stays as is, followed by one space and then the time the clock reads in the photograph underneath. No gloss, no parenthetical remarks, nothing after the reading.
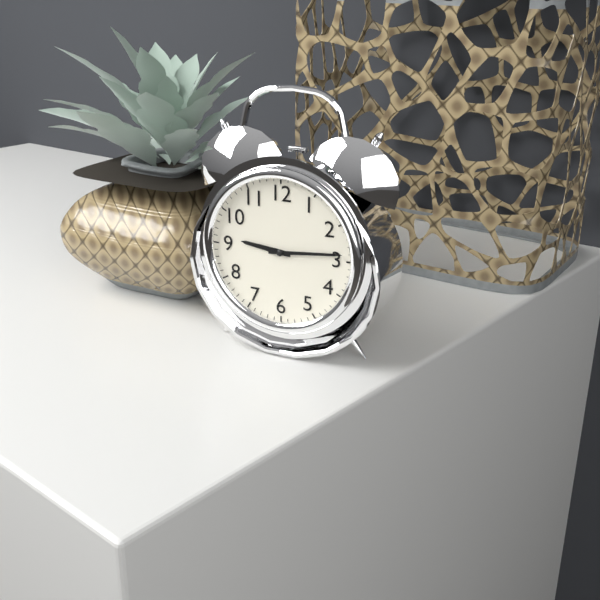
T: 9:14
